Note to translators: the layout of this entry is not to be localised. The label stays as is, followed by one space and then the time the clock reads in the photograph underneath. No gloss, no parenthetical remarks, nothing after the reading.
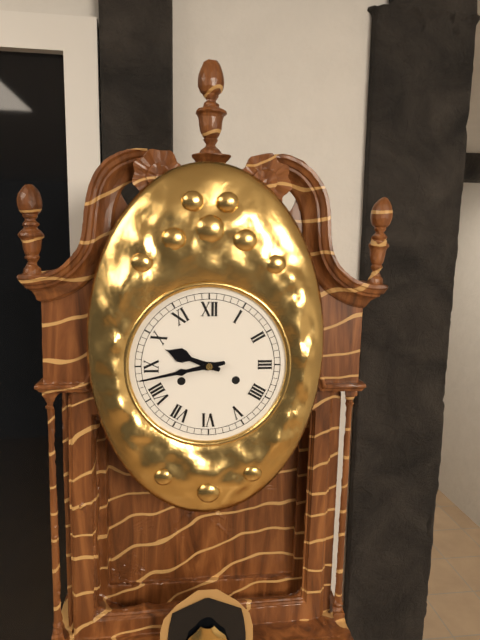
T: 9:43
